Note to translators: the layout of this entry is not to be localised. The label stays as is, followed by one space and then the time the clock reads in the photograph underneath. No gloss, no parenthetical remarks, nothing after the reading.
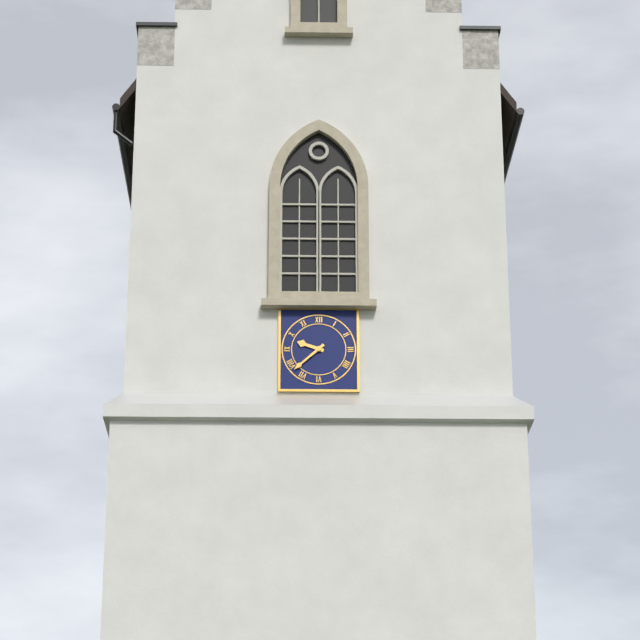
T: 9:38
